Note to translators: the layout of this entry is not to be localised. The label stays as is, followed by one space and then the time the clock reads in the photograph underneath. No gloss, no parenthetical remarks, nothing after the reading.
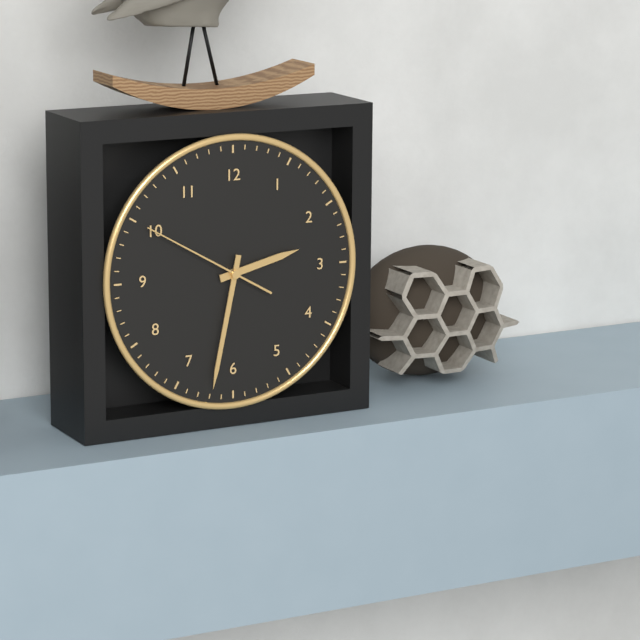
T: 2:32:50
